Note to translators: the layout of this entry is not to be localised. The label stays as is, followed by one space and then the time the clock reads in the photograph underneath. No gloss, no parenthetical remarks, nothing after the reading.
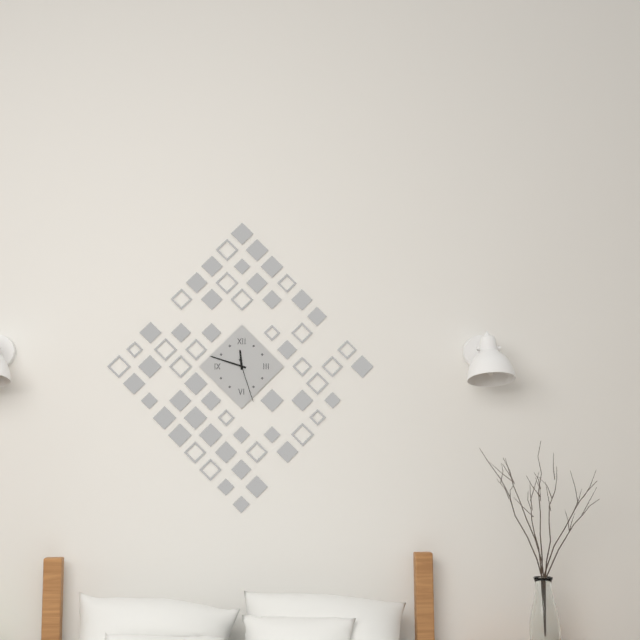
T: 11:48
